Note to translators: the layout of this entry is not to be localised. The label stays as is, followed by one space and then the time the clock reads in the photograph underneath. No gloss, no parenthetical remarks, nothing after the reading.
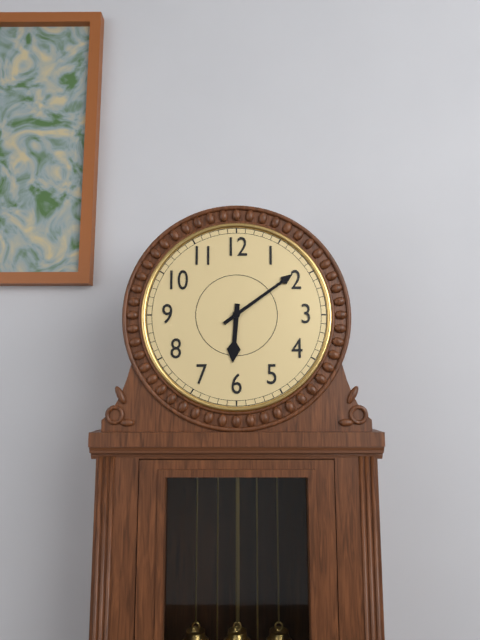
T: 6:09
